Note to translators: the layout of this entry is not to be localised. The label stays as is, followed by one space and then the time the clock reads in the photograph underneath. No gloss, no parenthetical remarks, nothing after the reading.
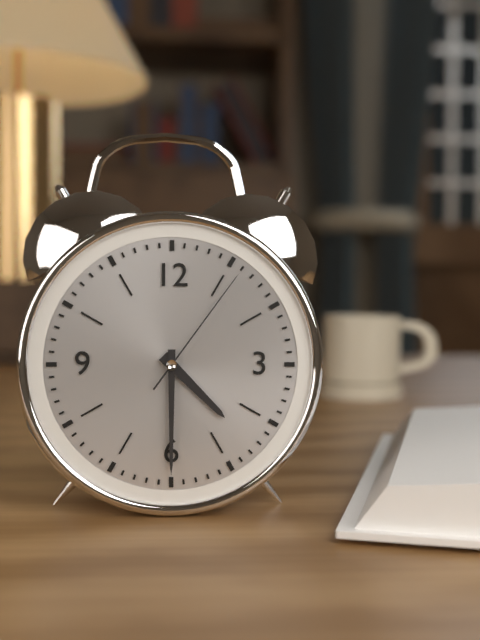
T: 4:30:06
